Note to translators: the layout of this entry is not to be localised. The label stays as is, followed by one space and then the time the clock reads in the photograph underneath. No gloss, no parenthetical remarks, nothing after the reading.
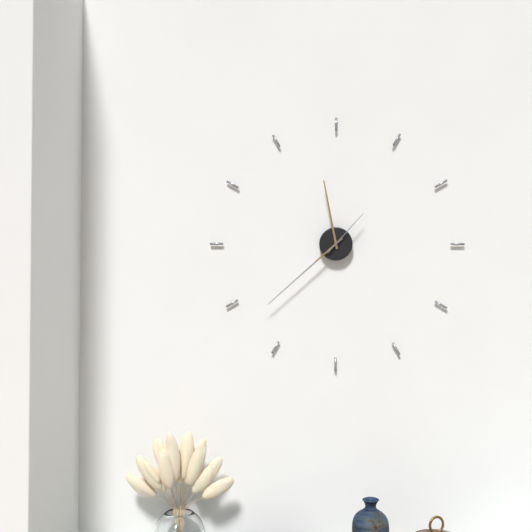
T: 11:38:07
